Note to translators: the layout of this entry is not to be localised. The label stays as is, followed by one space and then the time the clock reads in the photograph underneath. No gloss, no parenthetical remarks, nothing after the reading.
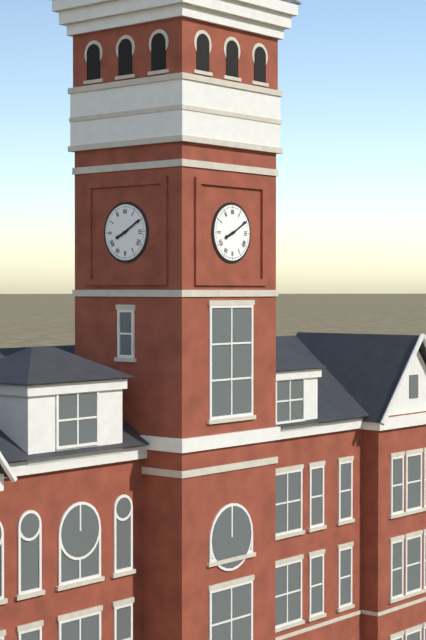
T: 8:10
